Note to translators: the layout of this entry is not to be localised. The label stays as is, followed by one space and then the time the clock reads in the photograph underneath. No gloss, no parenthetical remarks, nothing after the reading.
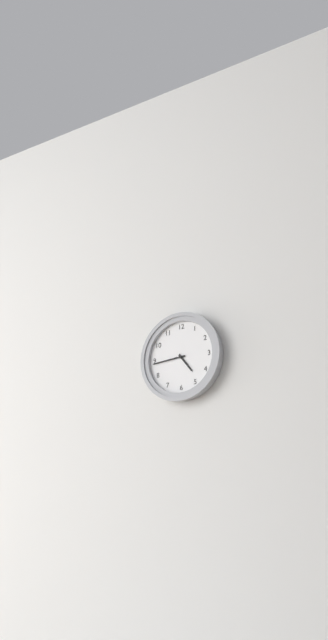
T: 4:44
